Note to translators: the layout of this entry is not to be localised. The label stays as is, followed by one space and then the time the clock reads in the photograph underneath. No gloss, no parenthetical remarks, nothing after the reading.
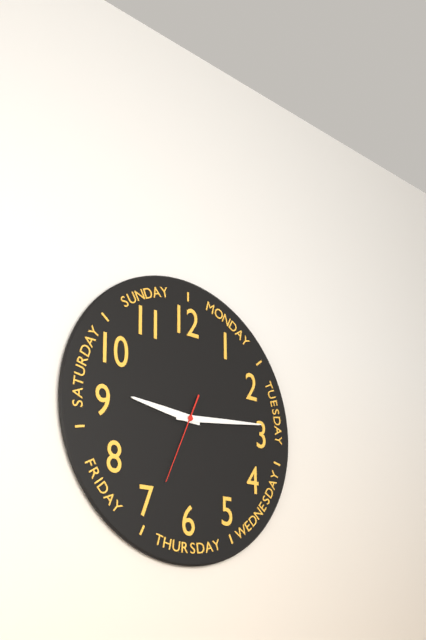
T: 9:14:34
